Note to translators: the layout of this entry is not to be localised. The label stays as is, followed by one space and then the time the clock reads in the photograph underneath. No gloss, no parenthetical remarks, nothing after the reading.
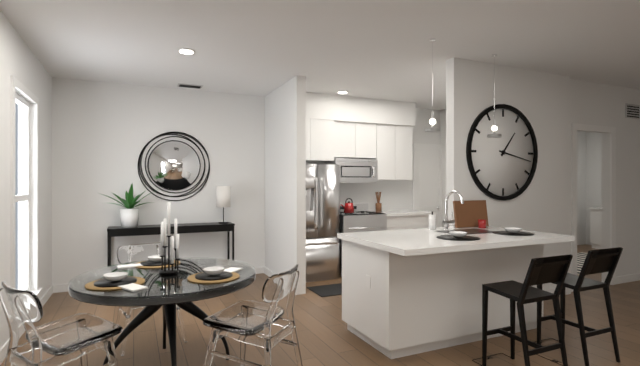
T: 1:17
